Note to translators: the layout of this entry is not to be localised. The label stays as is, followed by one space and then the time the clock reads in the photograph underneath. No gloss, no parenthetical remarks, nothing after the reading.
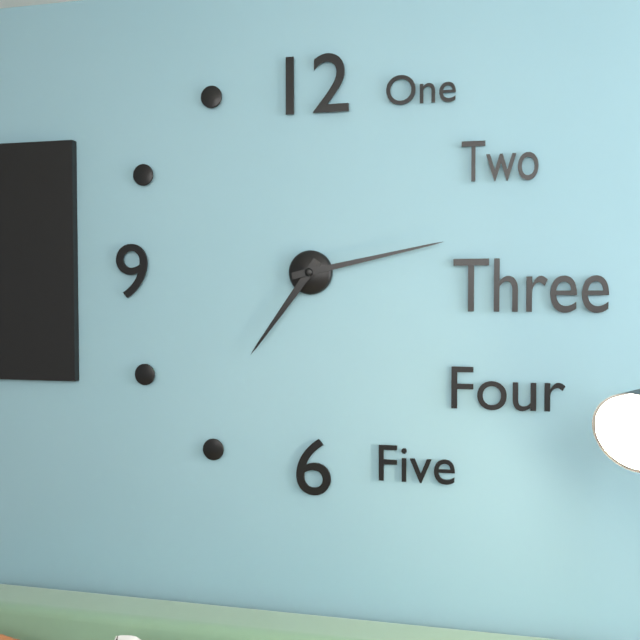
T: 7:13
